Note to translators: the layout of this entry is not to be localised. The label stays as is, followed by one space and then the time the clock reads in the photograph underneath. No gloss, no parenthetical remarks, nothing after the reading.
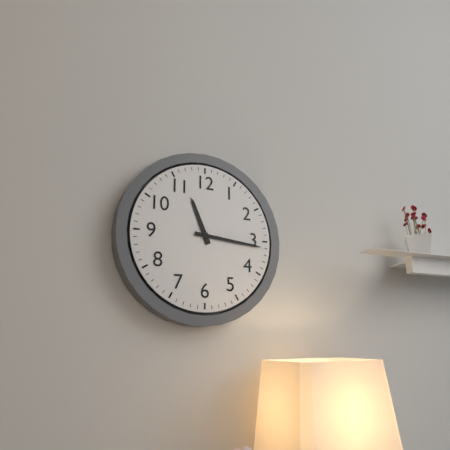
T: 11:16
